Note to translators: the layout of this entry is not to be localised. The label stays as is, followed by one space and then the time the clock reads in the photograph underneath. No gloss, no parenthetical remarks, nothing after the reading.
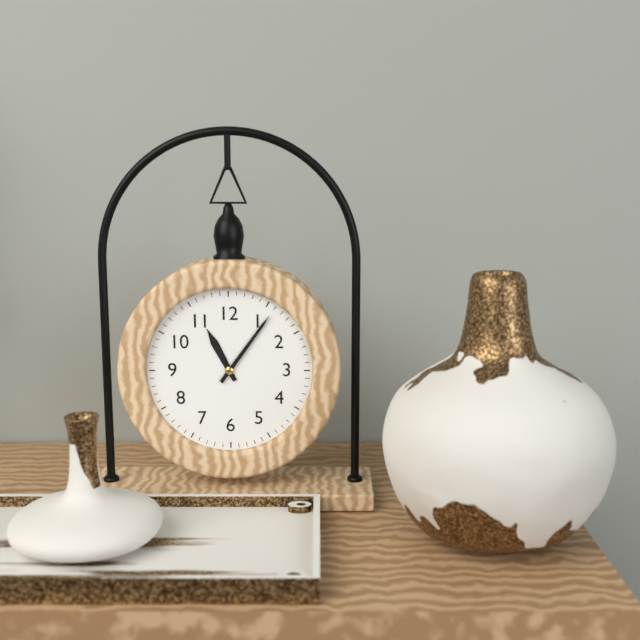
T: 11:06
